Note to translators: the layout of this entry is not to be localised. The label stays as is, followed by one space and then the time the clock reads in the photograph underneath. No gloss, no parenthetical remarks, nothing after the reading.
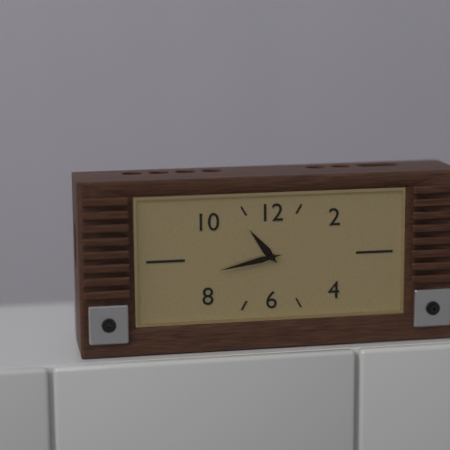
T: 10:43
